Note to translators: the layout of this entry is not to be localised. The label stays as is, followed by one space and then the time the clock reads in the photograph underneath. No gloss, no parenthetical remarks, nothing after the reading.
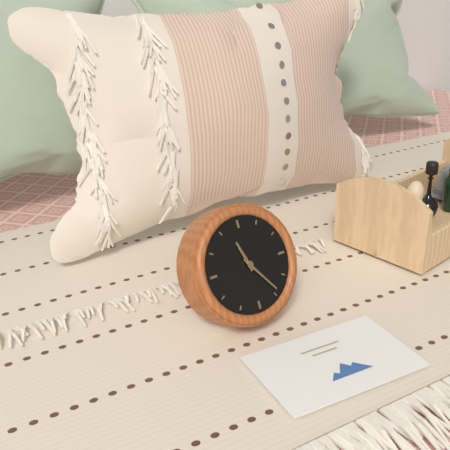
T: 11:24
